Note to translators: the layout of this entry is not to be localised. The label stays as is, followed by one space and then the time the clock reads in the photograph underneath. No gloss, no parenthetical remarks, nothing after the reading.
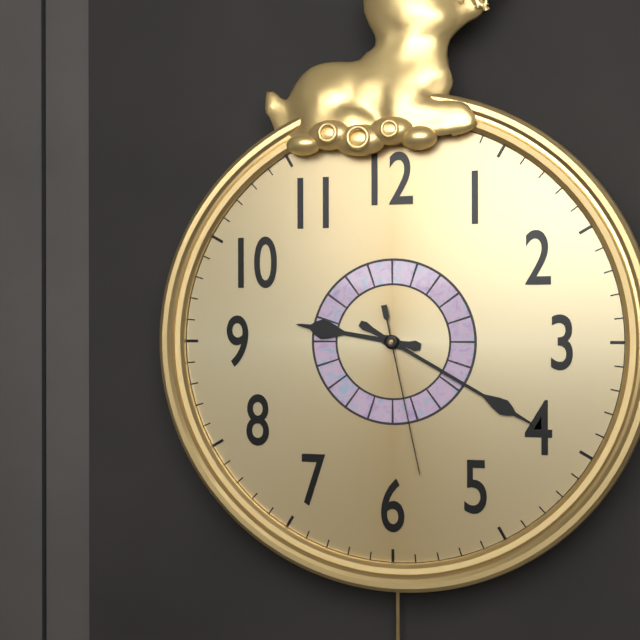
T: 9:20:28
